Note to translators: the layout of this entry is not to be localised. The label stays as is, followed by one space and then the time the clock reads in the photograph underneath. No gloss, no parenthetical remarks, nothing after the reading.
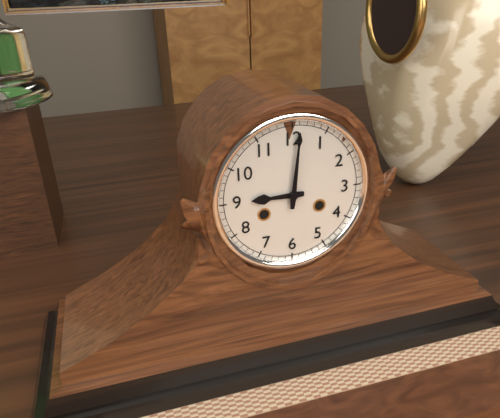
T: 9:01
